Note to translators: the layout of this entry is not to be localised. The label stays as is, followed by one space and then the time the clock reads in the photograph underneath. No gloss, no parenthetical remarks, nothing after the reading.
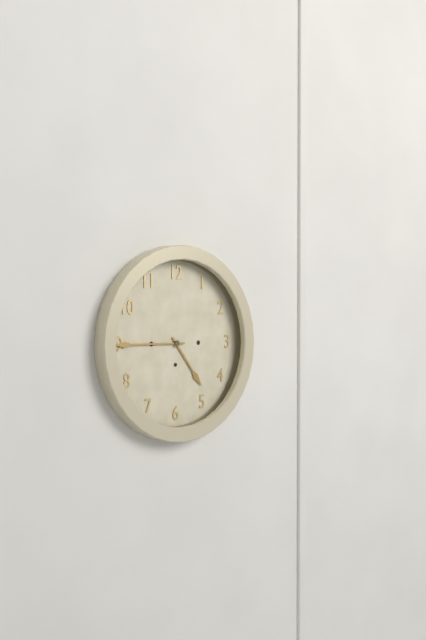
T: 4:45
